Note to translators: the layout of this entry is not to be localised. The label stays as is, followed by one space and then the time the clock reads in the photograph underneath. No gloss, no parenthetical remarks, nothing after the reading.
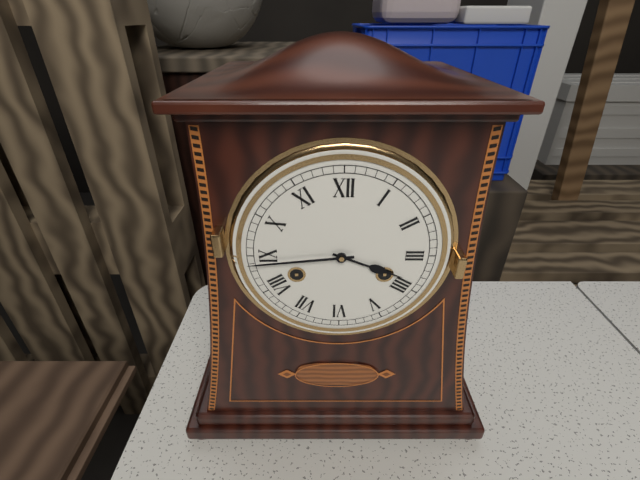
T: 3:44
